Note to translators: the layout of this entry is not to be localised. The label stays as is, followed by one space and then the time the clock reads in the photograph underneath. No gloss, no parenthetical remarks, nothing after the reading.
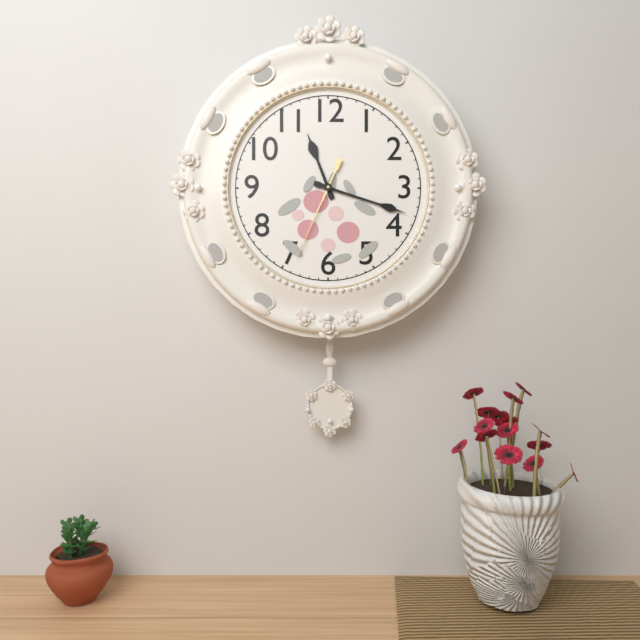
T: 11:18:34
